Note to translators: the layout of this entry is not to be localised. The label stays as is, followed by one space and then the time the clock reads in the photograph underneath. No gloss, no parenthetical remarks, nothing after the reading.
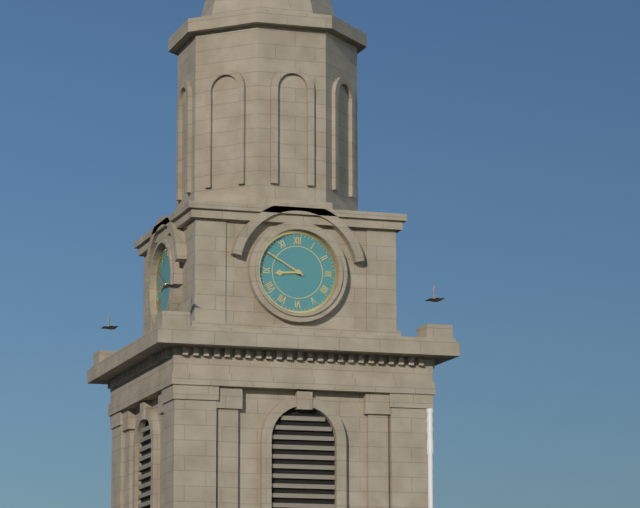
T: 8:50
